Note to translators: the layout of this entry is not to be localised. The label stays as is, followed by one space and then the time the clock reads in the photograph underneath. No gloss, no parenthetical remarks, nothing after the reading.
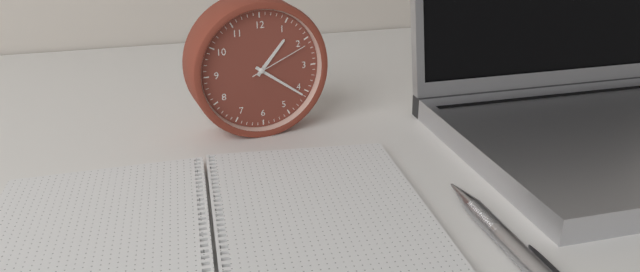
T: 1:21:11
